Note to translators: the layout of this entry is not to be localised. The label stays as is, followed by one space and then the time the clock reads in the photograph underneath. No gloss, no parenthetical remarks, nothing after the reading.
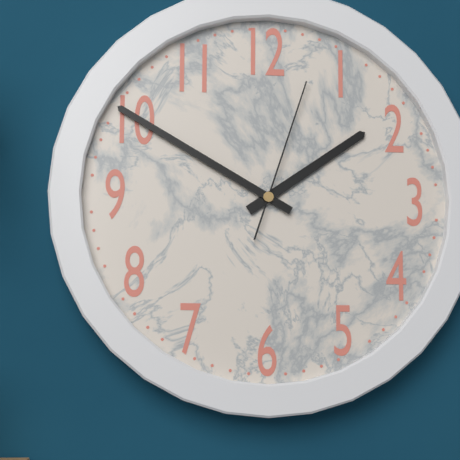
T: 1:50:03
